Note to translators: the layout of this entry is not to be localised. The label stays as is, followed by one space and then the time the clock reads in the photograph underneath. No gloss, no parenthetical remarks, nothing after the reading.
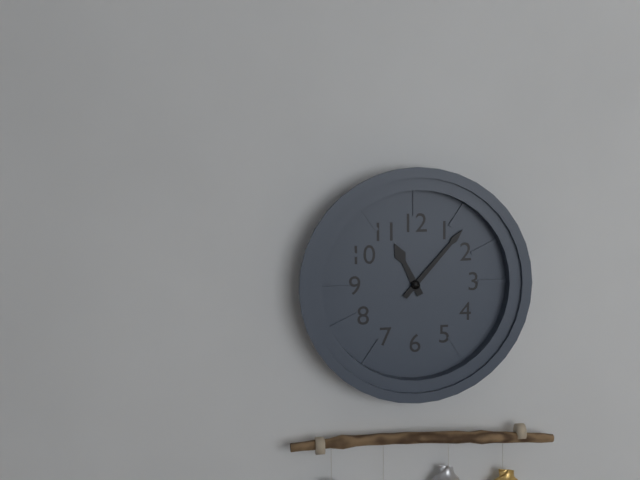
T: 11:07
